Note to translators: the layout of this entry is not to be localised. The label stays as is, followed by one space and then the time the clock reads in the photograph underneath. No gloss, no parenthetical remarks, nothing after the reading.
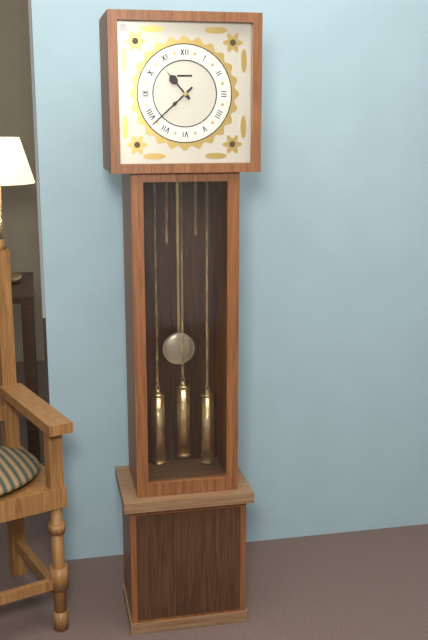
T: 10:38
